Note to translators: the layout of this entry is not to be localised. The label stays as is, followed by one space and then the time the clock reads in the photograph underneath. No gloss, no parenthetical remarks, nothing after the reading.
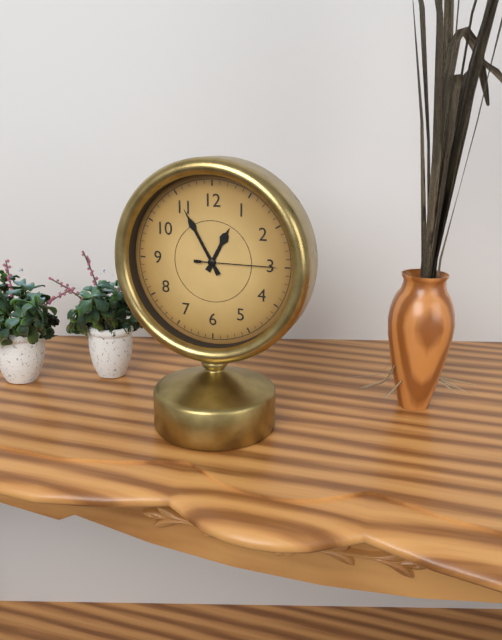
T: 12:55:15
